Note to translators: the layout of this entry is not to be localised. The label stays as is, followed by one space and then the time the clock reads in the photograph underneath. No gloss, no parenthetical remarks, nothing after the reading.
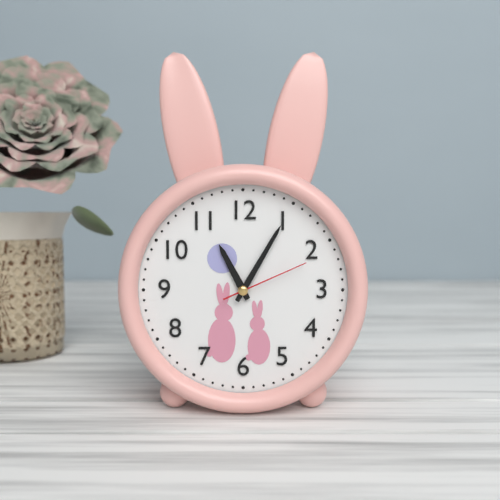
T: 11:05:11
